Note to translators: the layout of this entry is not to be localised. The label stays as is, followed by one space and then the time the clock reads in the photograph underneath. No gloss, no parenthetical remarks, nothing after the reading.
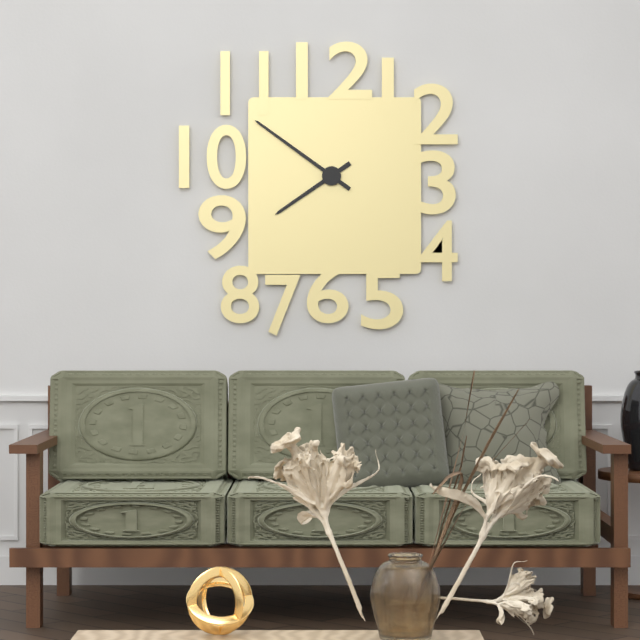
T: 7:51
